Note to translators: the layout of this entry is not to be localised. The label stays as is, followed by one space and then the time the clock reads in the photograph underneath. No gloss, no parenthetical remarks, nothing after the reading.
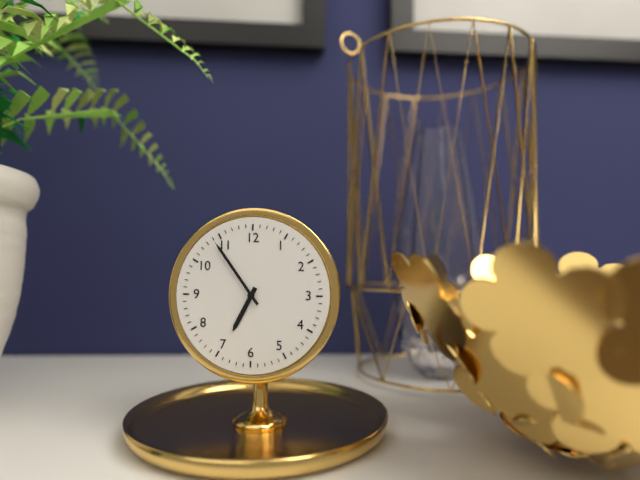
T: 6:54
